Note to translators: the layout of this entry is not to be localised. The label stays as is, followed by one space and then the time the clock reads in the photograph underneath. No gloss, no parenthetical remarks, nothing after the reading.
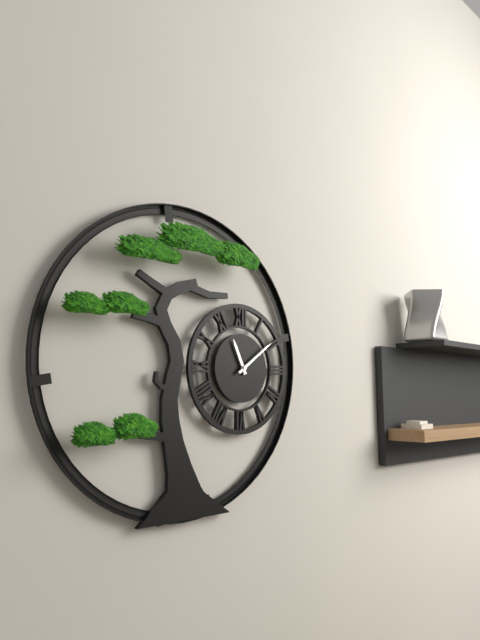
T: 11:09
